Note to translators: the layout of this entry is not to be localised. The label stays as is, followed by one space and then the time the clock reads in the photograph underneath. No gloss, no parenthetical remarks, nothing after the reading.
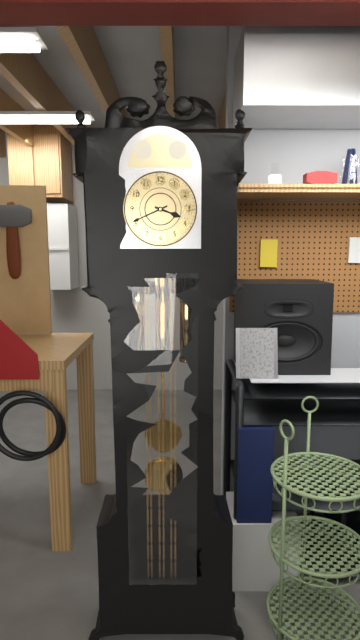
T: 3:41
